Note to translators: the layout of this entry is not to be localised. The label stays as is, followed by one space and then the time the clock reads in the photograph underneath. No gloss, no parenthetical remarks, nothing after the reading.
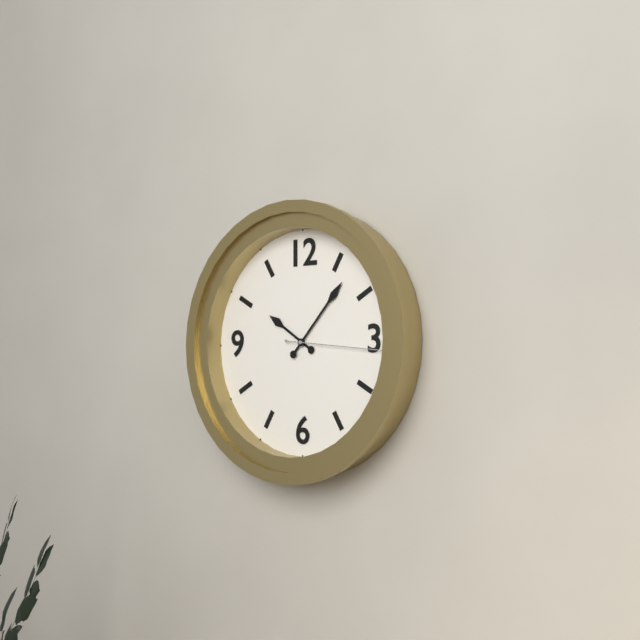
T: 10:07:16
